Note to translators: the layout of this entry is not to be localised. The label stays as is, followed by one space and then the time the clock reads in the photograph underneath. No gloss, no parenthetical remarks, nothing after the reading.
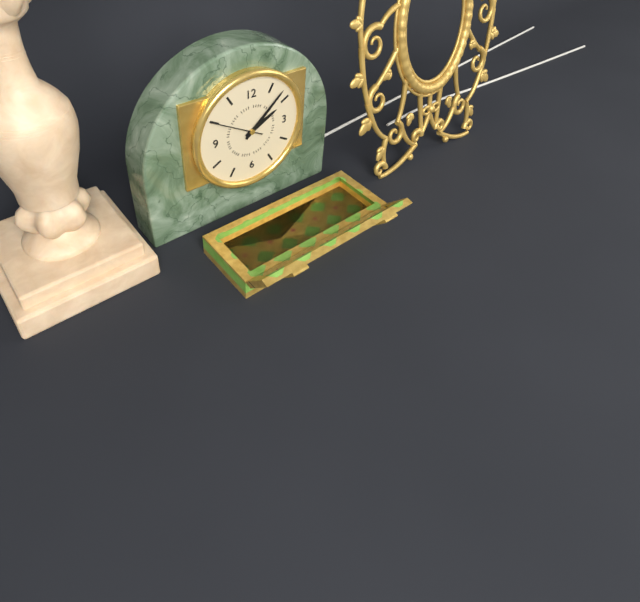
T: 2:08:50
